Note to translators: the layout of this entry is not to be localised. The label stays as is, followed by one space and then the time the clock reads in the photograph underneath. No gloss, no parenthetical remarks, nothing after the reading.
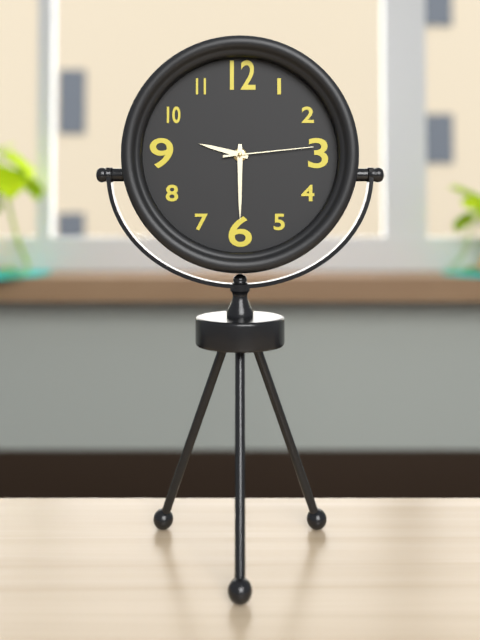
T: 9:30:14
